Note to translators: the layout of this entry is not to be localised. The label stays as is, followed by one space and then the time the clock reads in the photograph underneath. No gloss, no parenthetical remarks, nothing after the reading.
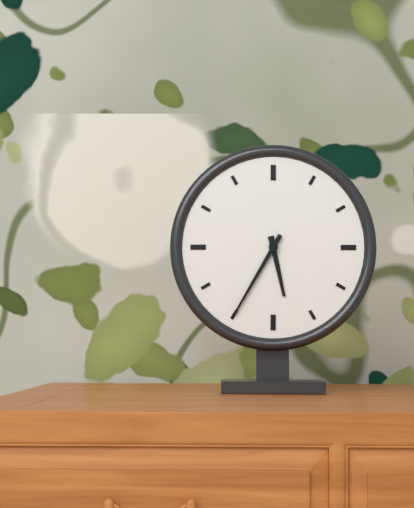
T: 5:35
